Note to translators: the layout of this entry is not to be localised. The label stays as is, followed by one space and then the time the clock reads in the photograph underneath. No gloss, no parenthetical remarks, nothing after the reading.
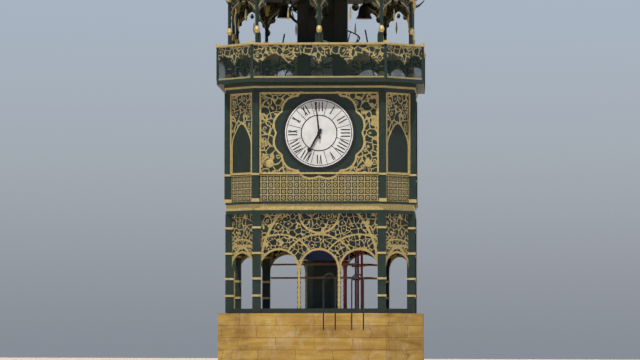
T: 6:59
